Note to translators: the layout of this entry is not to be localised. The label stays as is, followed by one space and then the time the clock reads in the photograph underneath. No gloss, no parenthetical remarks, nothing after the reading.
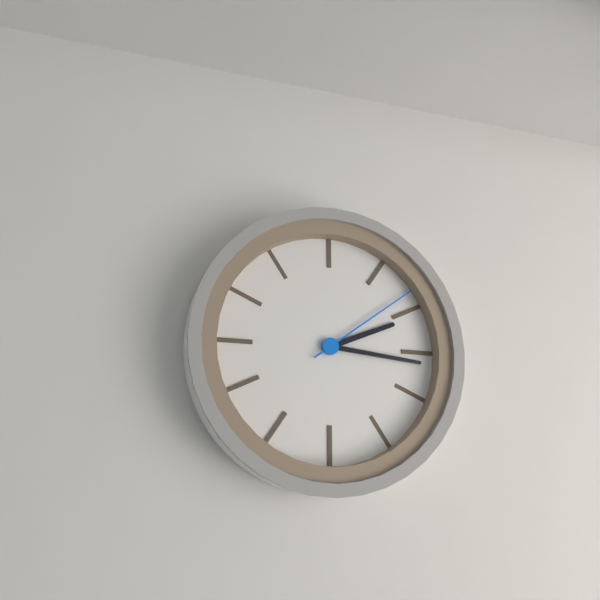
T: 2:16:09
